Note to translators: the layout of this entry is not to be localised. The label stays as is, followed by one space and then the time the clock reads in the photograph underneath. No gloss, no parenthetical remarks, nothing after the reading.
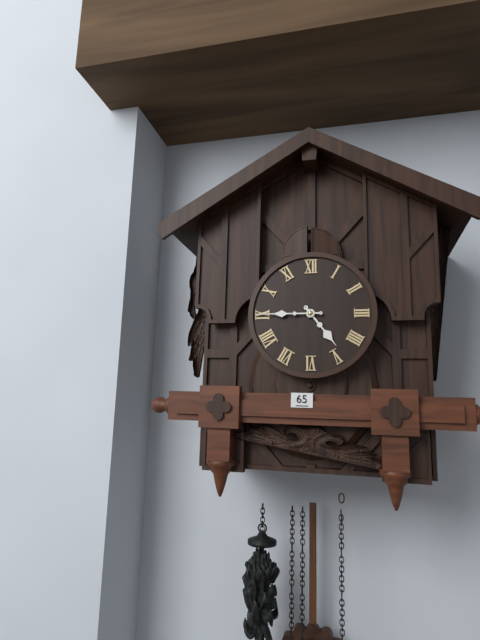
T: 4:45
